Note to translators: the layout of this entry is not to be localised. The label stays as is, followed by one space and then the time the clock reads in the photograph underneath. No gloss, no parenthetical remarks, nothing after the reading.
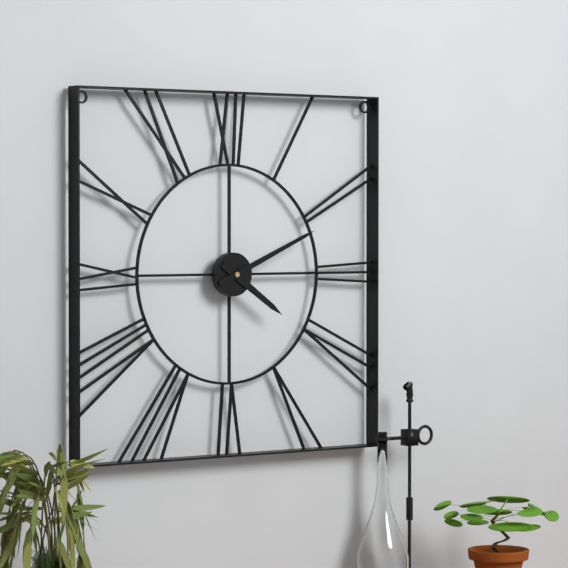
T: 4:11
